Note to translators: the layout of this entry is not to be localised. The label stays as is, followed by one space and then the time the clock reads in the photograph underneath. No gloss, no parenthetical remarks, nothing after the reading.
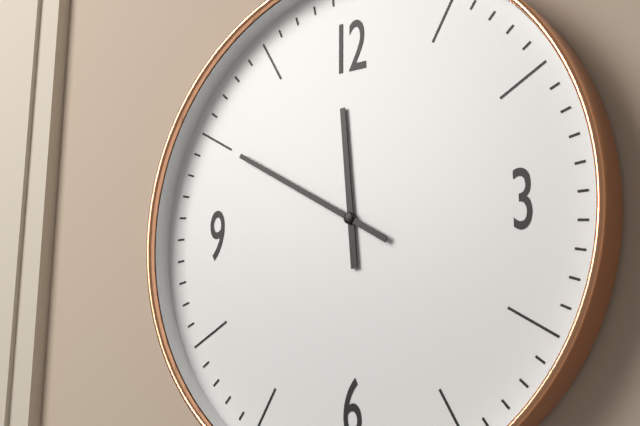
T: 11:50
